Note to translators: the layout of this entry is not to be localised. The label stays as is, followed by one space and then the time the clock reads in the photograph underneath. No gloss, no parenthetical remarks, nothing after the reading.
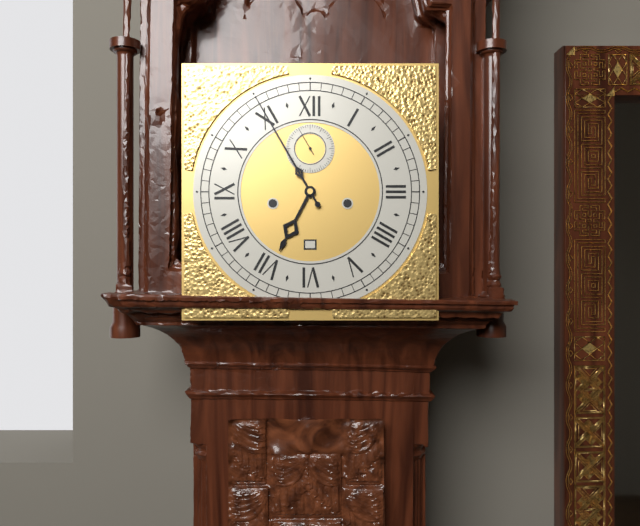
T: 6:55
